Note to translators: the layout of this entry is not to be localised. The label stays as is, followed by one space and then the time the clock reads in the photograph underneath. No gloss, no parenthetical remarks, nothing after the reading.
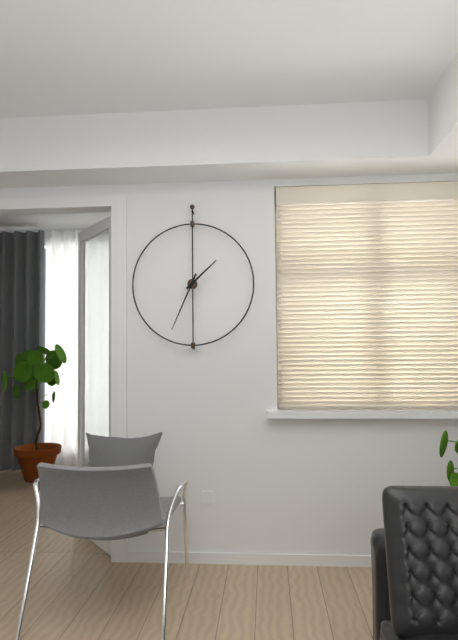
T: 1:34
